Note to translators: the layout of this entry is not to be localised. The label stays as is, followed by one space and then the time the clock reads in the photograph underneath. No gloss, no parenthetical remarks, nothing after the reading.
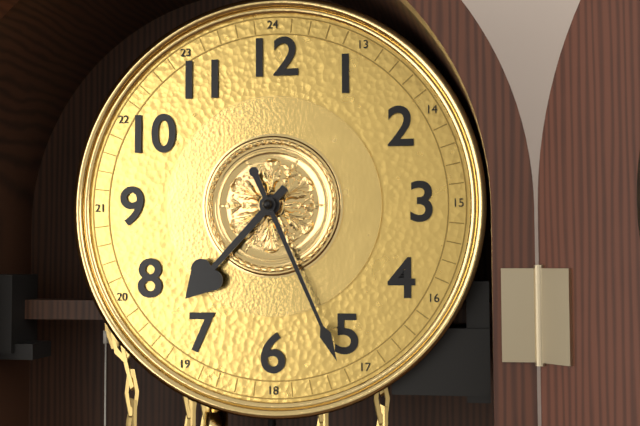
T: 7:26
